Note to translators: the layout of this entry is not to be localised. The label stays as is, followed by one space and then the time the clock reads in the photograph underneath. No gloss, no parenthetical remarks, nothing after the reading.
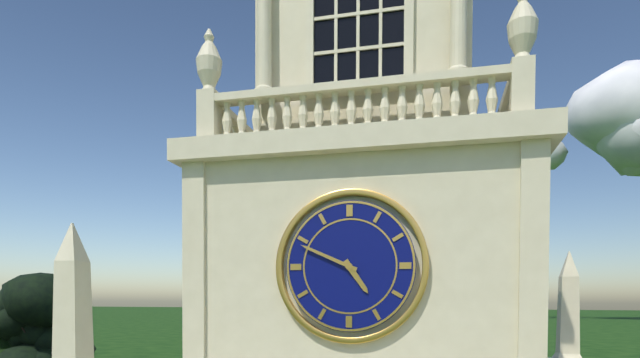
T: 4:49
